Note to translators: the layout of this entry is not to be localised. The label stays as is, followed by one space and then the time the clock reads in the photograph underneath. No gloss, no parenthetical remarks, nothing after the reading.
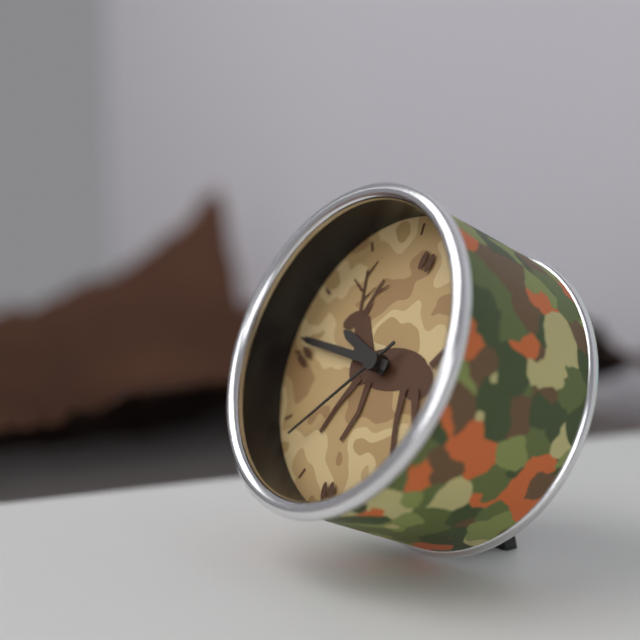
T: 9:46:38
